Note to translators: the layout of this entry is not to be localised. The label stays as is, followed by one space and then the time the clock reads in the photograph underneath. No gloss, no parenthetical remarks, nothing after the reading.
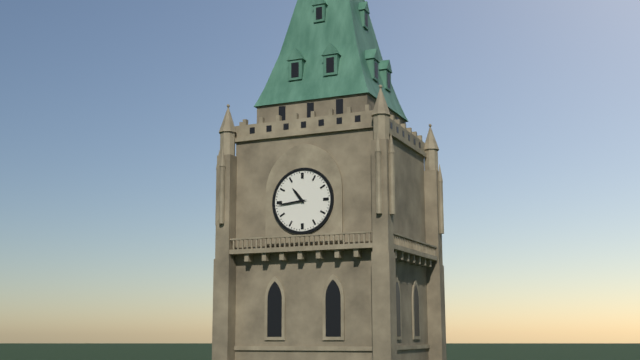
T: 10:44
